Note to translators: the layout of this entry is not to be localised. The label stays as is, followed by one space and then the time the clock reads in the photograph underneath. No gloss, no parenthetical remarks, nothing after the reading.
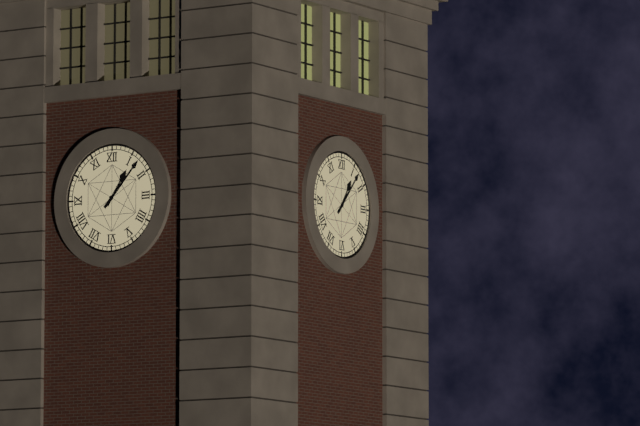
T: 1:07
